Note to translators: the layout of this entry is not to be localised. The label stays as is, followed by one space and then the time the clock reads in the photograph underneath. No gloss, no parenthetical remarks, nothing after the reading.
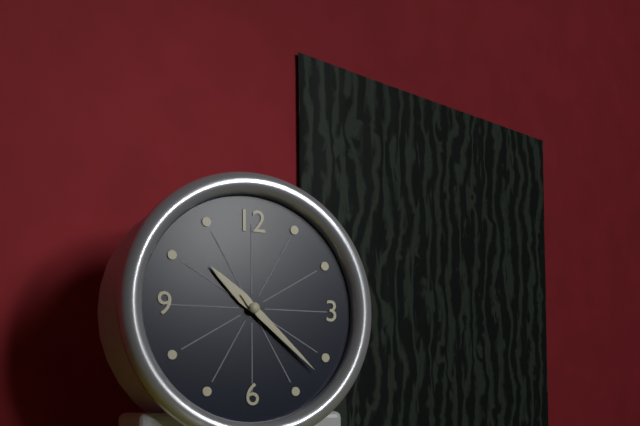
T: 10:22
